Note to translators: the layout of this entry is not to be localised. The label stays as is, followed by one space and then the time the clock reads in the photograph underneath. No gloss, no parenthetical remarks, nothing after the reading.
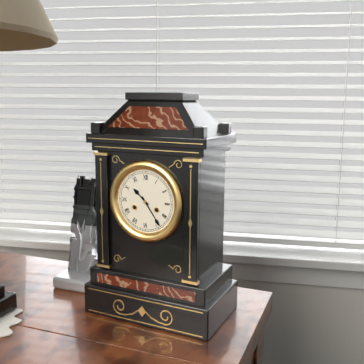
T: 10:24
